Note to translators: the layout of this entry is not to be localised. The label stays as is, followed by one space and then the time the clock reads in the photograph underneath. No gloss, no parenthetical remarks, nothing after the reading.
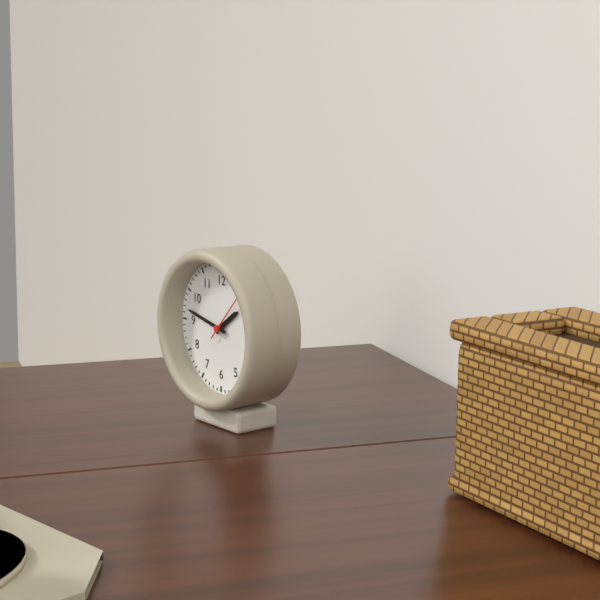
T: 1:47:07
